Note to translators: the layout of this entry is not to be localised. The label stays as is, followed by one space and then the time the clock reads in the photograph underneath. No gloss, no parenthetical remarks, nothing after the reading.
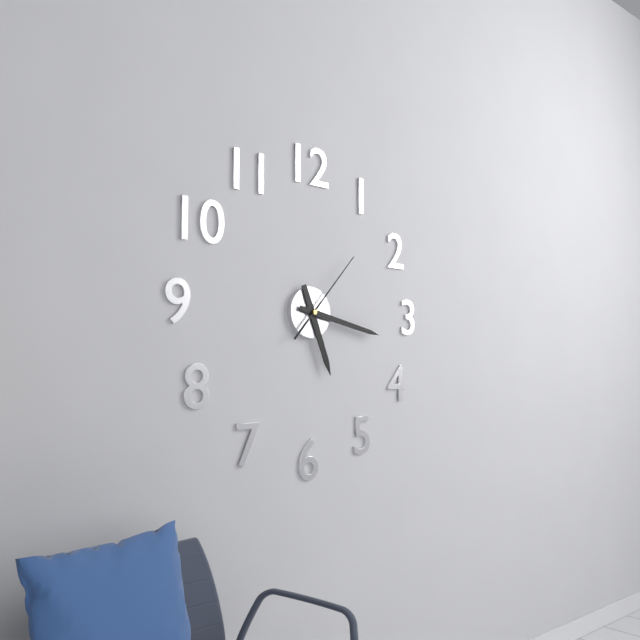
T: 5:17:07
